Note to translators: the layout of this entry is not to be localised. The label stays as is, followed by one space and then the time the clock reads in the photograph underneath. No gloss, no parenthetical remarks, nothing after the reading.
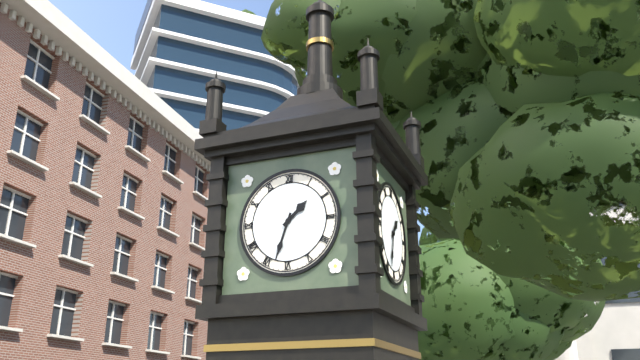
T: 1:33
